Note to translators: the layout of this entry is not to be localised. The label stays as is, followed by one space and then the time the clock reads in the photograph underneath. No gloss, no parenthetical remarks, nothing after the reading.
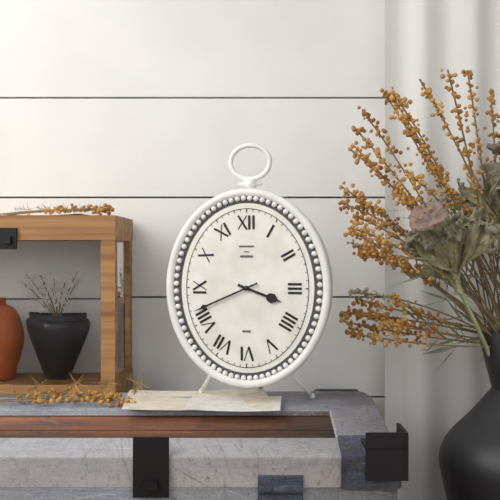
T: 3:41
